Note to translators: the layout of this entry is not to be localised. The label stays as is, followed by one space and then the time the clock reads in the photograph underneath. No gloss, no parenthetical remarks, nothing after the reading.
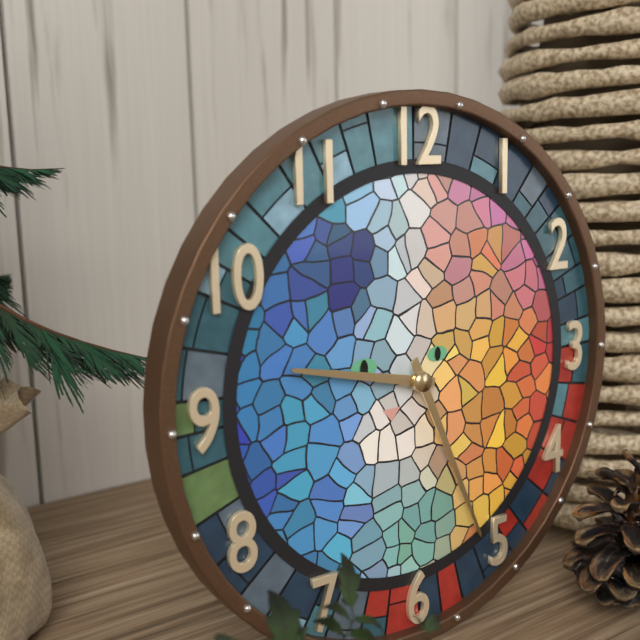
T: 9:26
